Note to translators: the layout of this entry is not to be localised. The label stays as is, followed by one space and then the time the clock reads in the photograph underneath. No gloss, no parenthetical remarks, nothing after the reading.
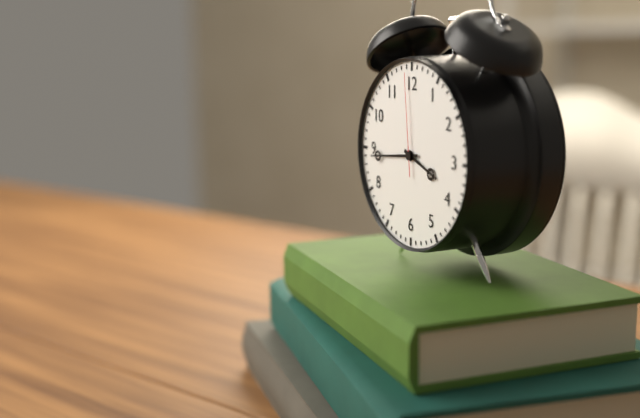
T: 3:44:59
